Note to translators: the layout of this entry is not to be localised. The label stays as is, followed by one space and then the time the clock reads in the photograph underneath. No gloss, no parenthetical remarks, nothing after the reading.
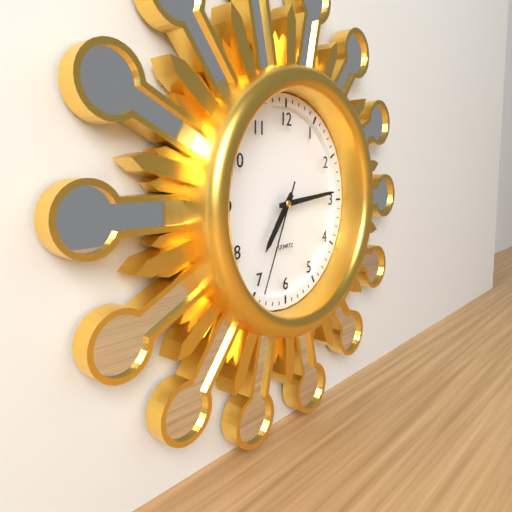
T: 7:14:34
